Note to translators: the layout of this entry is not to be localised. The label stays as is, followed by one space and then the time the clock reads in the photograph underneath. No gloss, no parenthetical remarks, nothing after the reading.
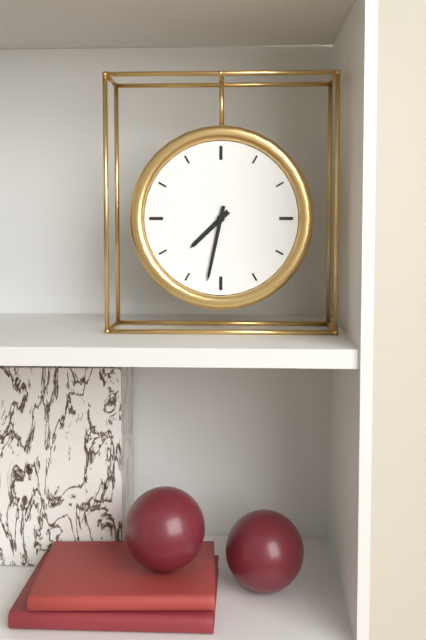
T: 7:32
